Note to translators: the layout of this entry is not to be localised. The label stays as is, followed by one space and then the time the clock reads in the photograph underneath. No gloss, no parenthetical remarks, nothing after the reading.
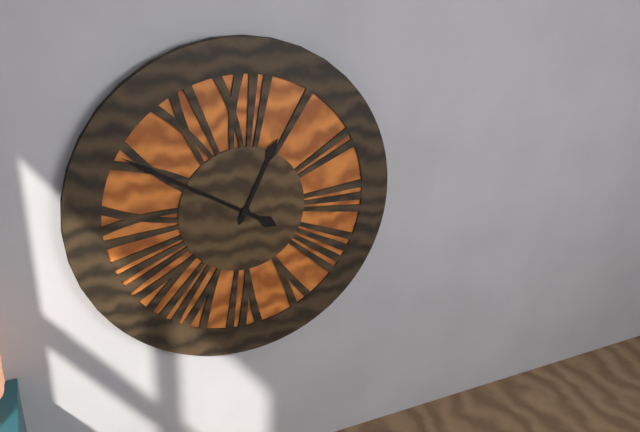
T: 12:50
